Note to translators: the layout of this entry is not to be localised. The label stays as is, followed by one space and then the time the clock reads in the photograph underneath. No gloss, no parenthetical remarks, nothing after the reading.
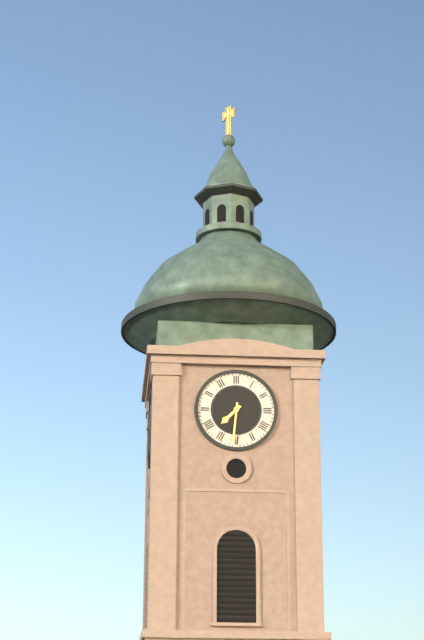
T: 7:31
